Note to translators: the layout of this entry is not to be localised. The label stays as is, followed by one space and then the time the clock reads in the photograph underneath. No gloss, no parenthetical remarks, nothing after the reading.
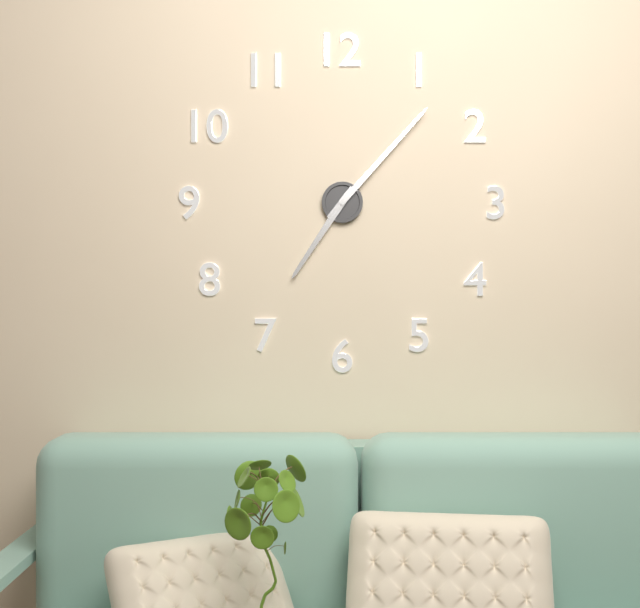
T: 7:07
